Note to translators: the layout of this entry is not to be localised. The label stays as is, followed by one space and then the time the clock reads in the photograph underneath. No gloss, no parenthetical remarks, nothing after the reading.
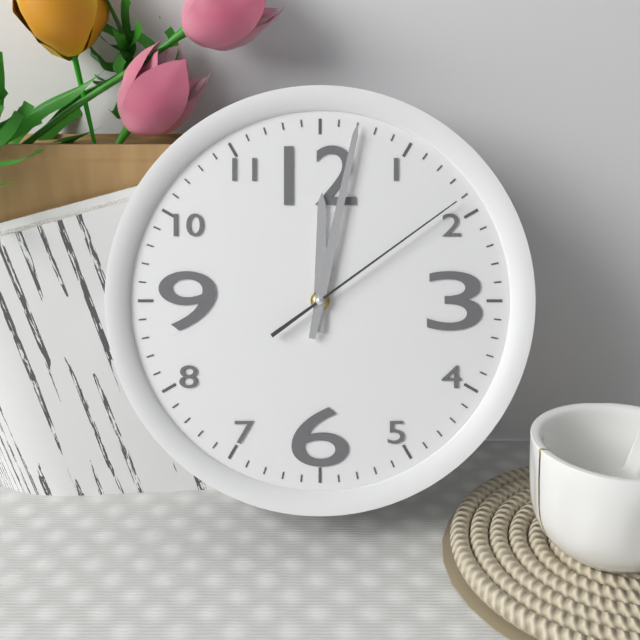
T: 12:02:09
